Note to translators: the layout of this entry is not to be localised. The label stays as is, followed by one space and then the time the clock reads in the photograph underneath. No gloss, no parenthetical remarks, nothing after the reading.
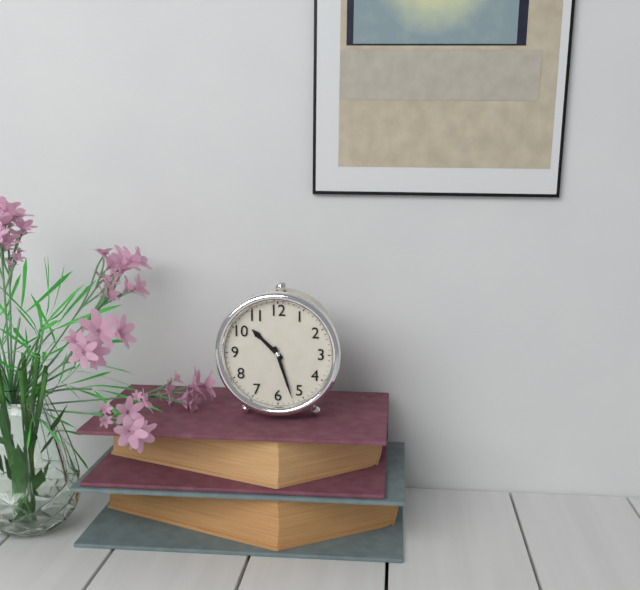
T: 10:27
